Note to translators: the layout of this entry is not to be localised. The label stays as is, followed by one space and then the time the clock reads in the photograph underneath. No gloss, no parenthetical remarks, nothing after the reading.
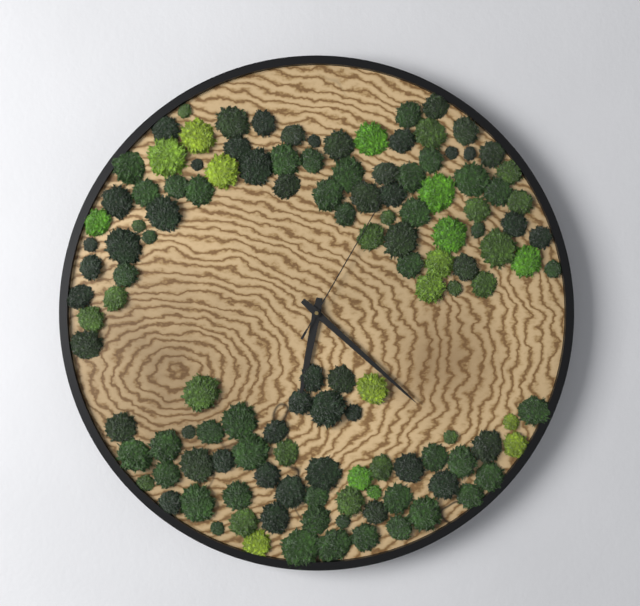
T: 6:22:05
